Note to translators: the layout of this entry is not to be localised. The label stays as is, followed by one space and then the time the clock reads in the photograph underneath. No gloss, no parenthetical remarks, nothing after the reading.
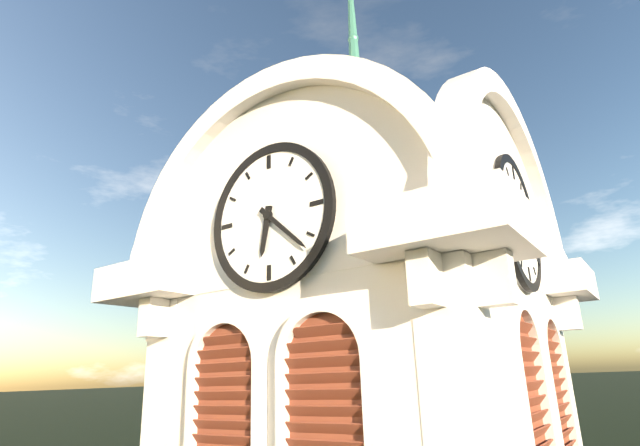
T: 6:22
